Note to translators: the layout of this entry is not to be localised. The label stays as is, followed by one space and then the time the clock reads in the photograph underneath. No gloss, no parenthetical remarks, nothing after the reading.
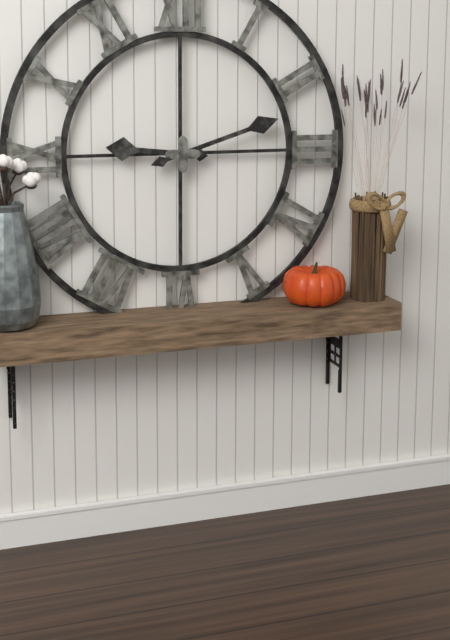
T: 9:12
